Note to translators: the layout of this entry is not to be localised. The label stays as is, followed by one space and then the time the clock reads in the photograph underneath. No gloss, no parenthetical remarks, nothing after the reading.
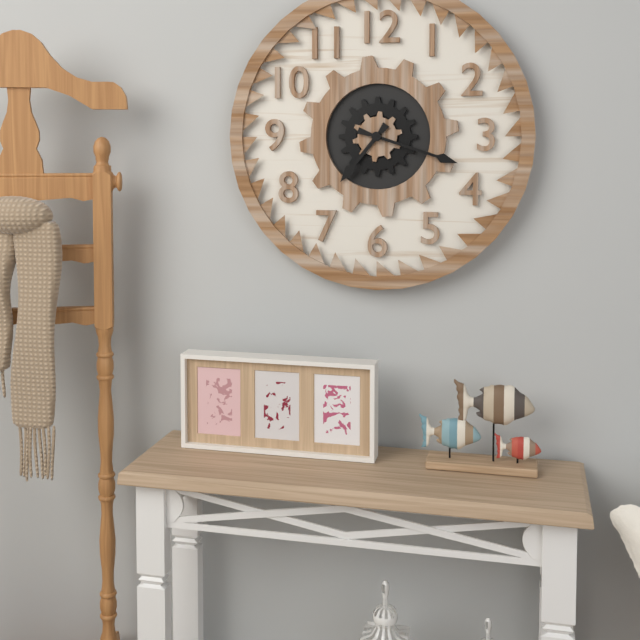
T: 7:18
